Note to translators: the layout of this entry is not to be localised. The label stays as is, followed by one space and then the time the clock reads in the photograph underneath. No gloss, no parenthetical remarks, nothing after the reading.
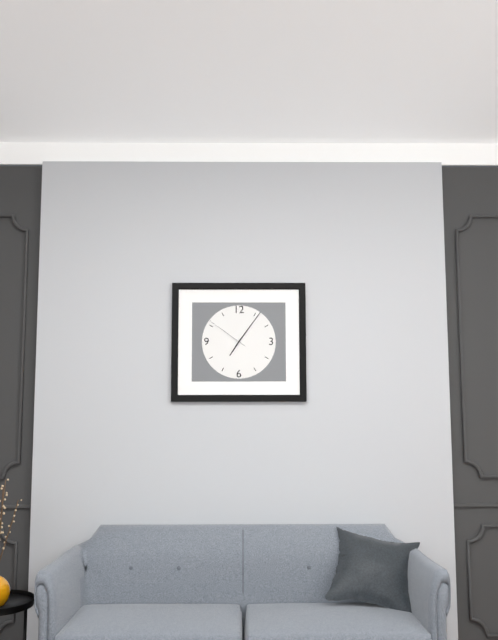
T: 7:06
